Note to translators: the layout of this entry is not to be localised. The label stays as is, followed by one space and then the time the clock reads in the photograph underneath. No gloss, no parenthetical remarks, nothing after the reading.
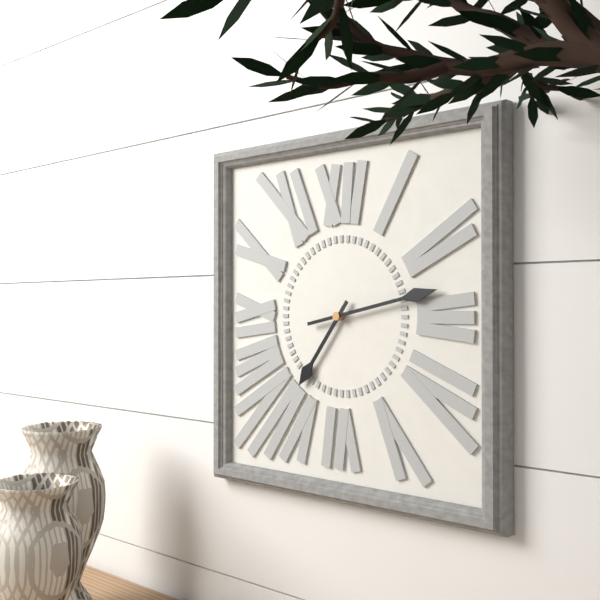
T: 7:13
